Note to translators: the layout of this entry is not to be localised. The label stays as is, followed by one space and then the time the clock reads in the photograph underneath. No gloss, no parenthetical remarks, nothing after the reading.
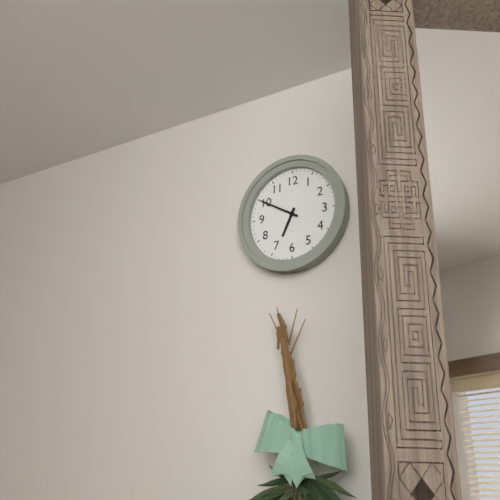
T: 6:50
